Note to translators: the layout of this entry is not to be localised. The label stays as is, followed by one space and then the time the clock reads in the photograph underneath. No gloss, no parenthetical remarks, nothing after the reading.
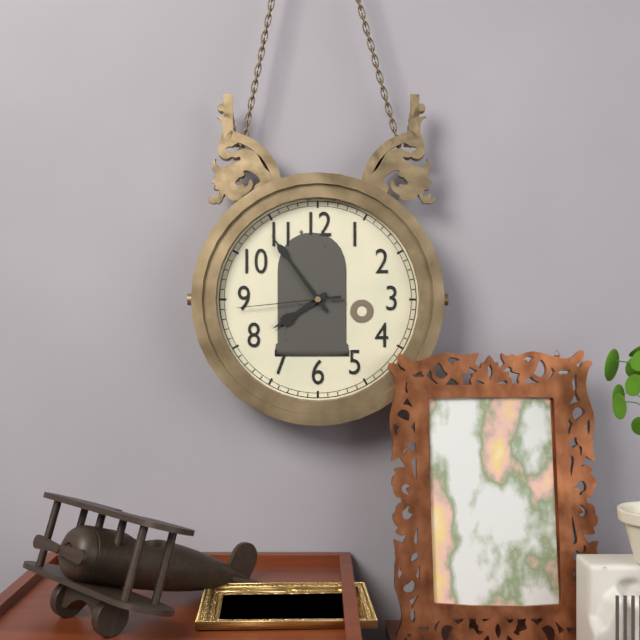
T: 7:54:44
